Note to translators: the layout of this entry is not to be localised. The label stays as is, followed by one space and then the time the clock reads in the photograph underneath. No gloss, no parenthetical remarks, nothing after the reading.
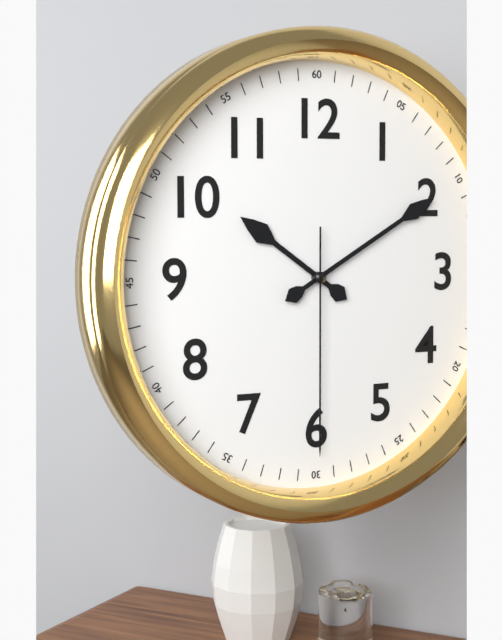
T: 10:10:30
